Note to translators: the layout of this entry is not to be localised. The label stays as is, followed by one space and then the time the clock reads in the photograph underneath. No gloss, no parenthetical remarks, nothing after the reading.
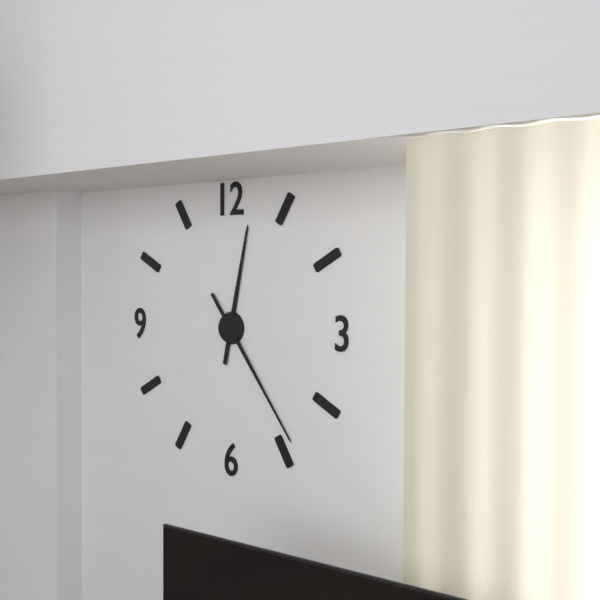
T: 12:24
